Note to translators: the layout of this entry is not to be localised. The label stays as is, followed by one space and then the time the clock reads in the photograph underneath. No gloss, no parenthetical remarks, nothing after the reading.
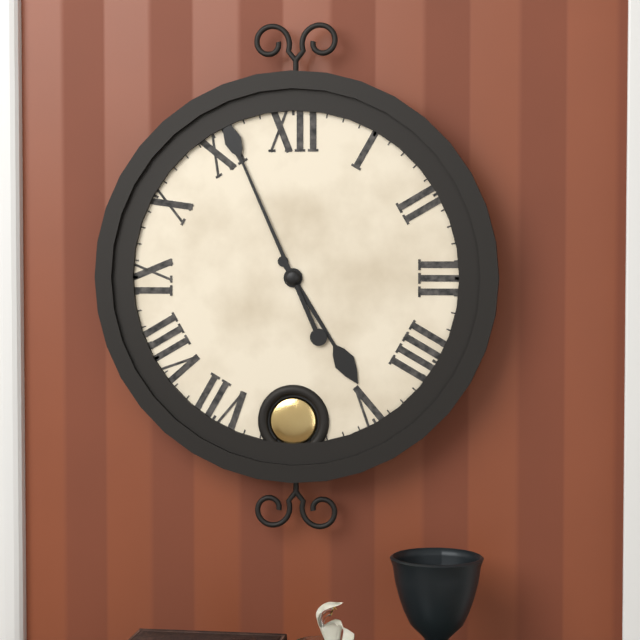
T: 4:56
